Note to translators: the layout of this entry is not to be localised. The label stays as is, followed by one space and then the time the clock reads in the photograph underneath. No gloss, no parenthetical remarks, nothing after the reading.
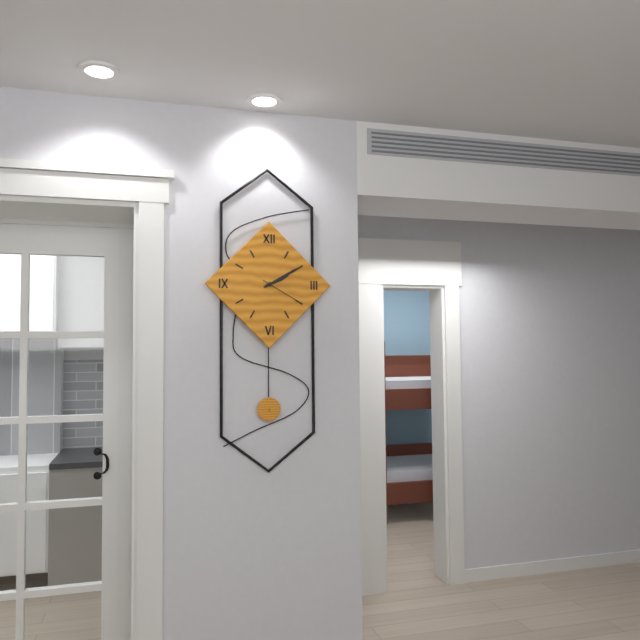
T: 2:10:20
